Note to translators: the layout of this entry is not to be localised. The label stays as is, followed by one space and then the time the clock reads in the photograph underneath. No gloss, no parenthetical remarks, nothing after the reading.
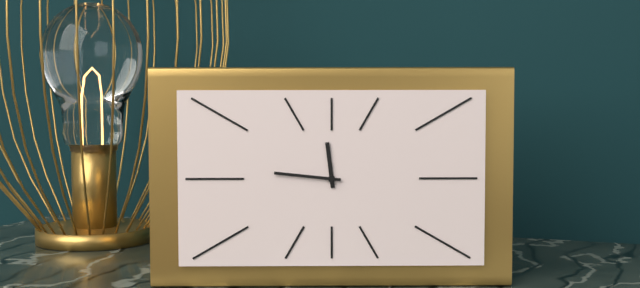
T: 11:46
